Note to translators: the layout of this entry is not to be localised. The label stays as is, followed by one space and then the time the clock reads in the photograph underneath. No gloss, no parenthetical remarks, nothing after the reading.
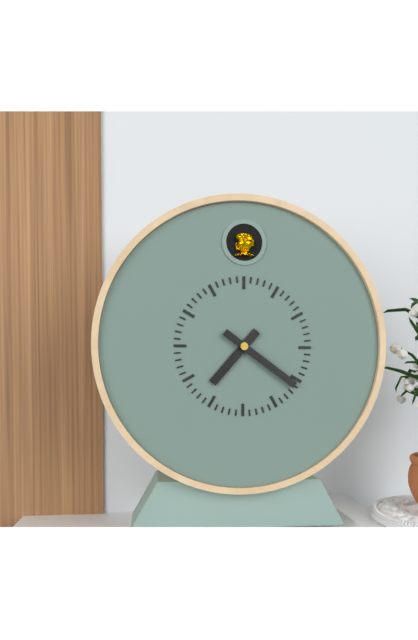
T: 7:21
